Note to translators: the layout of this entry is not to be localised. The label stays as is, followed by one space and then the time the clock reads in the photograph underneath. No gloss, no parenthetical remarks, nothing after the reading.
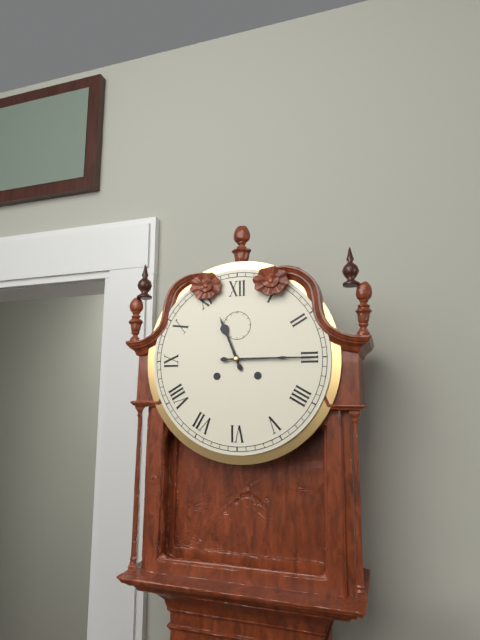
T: 11:15
